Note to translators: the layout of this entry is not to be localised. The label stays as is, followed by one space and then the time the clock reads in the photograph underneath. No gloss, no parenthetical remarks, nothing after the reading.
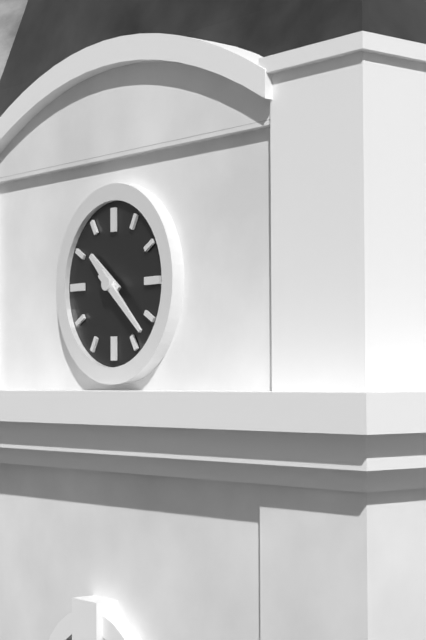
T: 10:22
